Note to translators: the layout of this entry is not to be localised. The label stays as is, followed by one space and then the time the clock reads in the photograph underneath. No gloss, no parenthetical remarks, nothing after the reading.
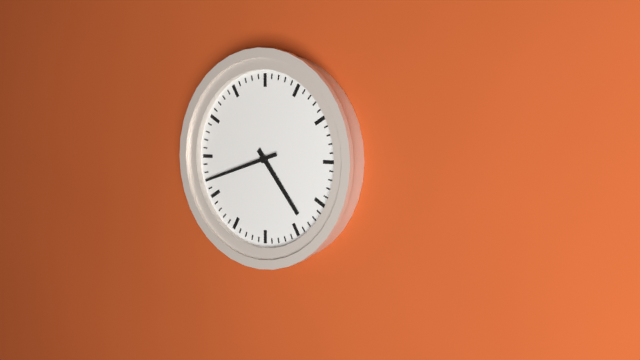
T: 4:42
